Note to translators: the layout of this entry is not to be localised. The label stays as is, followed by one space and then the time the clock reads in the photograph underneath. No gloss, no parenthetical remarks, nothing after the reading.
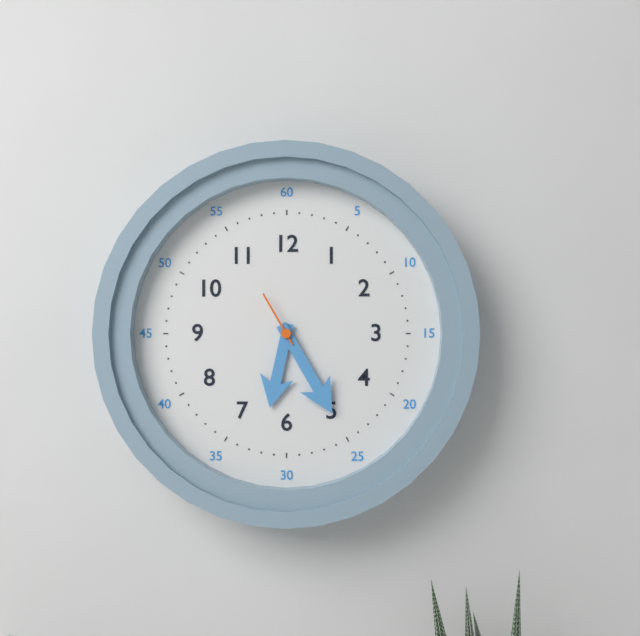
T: 6:25:55
